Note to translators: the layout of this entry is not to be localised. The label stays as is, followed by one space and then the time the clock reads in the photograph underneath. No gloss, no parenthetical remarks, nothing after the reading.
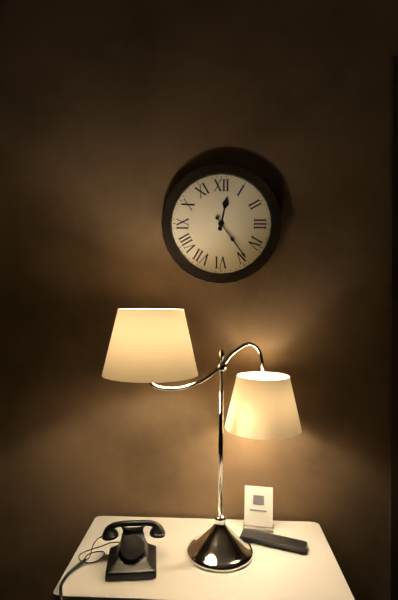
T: 12:24
